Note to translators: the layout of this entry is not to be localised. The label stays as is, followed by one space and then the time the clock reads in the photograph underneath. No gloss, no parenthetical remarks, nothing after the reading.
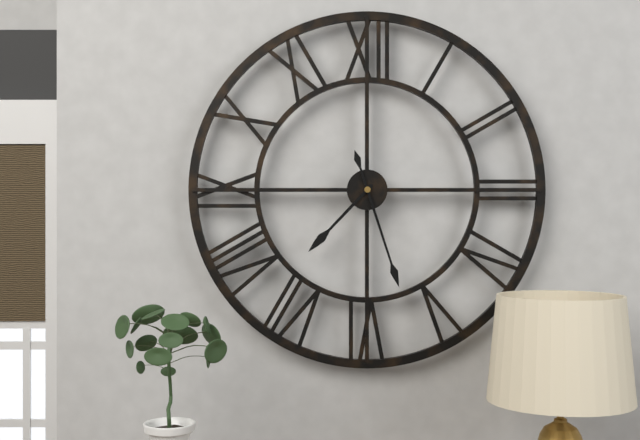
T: 7:27
